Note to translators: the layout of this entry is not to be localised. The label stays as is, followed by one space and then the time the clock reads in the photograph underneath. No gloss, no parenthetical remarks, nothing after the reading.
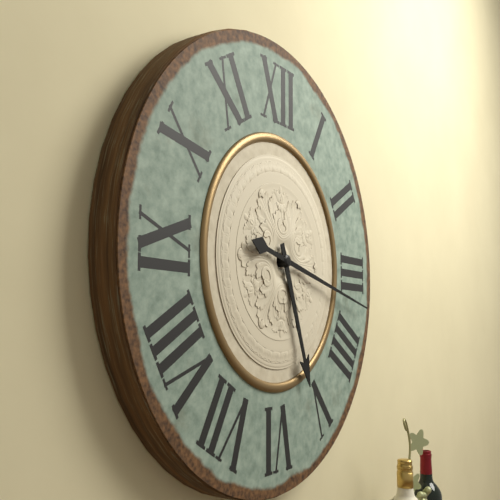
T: 5:17
